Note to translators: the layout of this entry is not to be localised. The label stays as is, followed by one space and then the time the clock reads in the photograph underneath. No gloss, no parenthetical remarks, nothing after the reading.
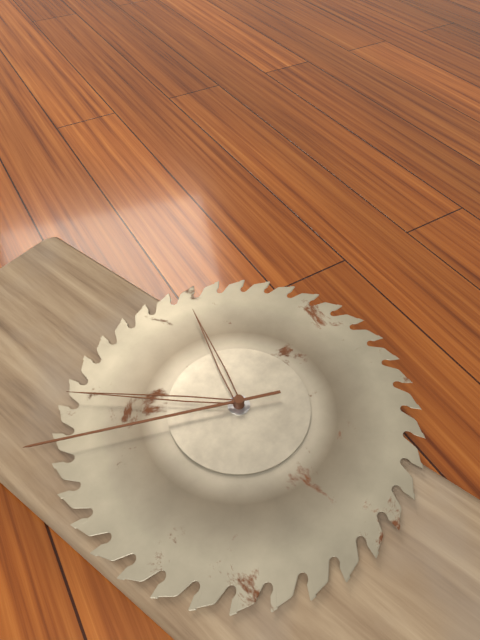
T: 12:54:51
